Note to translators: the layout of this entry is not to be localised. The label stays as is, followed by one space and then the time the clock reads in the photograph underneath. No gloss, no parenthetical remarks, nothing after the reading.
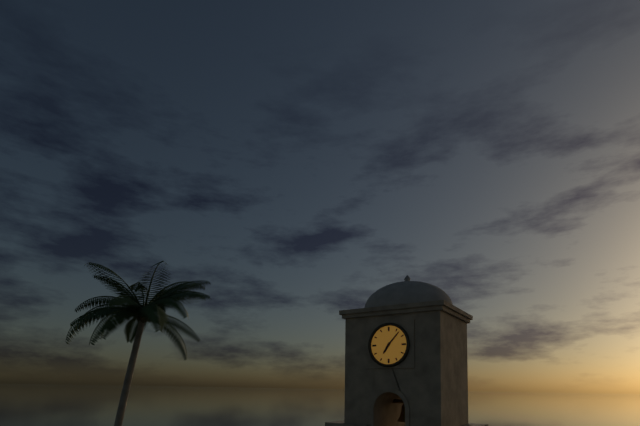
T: 7:07
